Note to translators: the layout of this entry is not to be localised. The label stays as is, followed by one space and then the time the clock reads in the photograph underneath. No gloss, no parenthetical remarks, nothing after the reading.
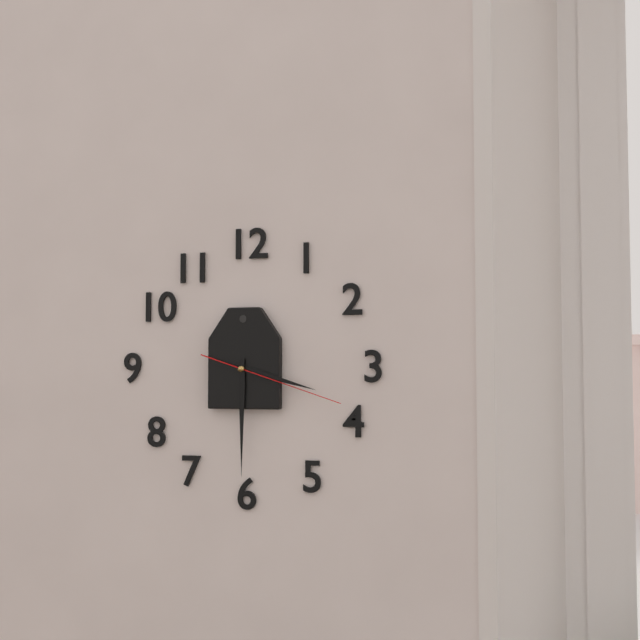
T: 3:30:18
